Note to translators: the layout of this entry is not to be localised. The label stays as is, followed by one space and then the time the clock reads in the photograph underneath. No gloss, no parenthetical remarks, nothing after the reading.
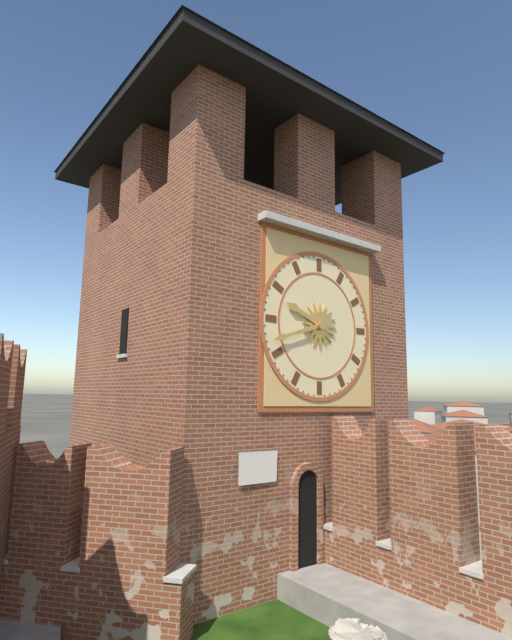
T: 9:42
